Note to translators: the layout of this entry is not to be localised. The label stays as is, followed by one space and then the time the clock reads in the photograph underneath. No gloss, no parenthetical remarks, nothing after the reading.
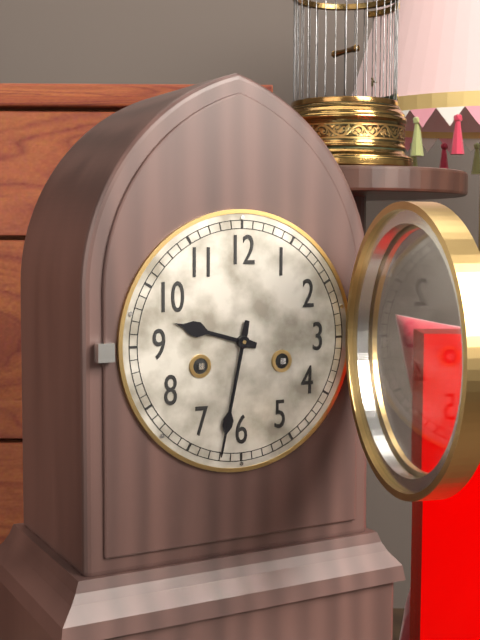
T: 9:32
